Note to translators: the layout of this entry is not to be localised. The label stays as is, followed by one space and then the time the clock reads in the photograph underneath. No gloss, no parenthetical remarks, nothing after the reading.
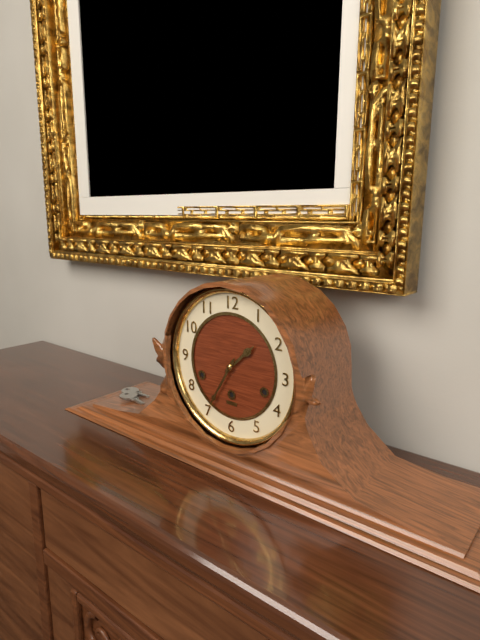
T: 1:35
